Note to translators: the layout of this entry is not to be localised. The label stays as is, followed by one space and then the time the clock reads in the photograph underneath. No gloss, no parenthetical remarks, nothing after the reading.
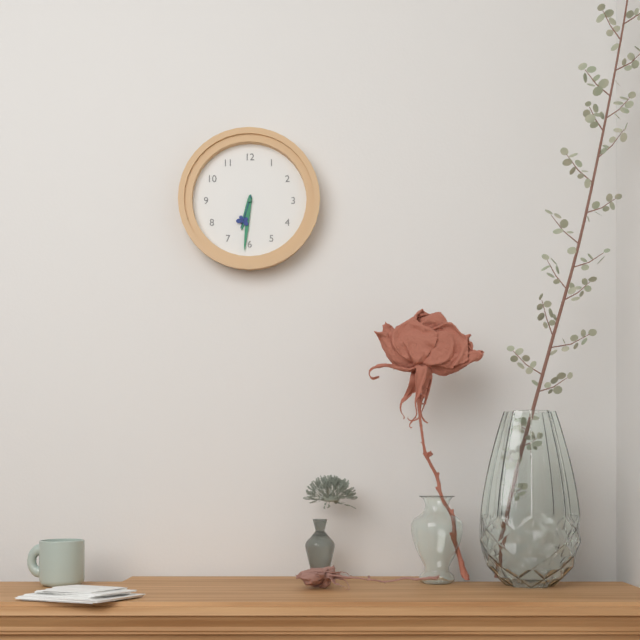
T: 6:31
